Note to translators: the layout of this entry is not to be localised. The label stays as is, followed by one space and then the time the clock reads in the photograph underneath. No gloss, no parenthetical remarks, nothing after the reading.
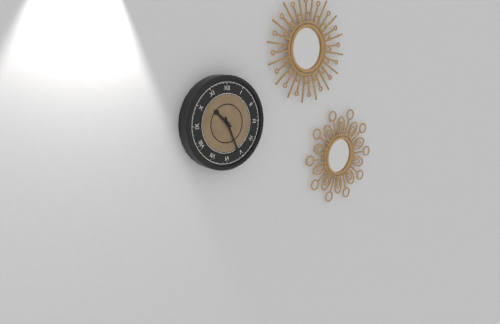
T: 10:26
